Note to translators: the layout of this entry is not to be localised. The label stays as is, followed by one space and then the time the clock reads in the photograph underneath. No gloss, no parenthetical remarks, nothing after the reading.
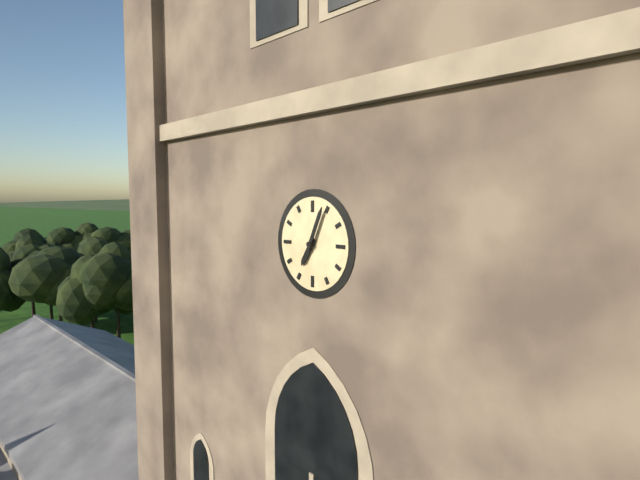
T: 7:04
